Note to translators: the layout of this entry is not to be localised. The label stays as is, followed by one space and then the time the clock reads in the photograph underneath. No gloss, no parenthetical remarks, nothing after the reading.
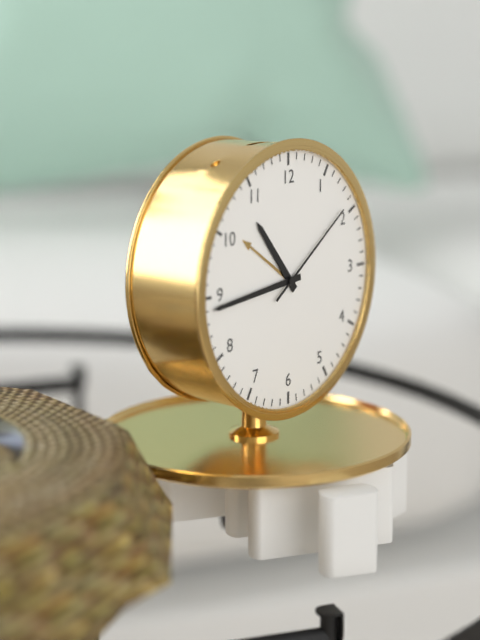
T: 10:44:09
